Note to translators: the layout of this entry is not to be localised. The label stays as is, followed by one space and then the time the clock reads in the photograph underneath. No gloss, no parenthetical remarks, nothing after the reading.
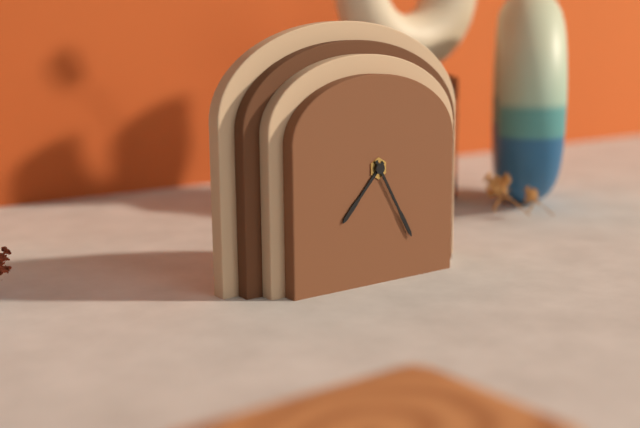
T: 7:25
